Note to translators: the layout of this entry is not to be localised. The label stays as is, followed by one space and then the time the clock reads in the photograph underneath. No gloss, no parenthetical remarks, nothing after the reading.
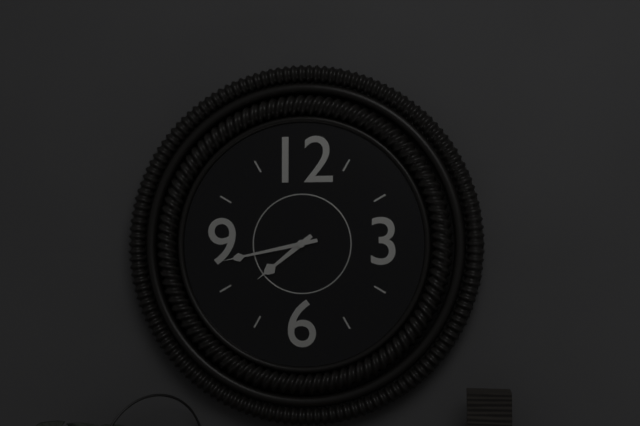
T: 7:43
